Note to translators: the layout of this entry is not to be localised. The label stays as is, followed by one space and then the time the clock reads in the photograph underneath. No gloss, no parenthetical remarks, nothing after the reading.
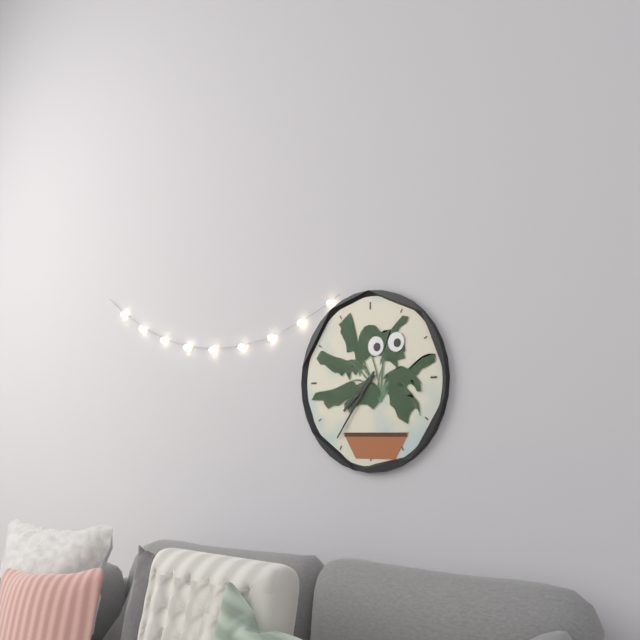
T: 7:36
